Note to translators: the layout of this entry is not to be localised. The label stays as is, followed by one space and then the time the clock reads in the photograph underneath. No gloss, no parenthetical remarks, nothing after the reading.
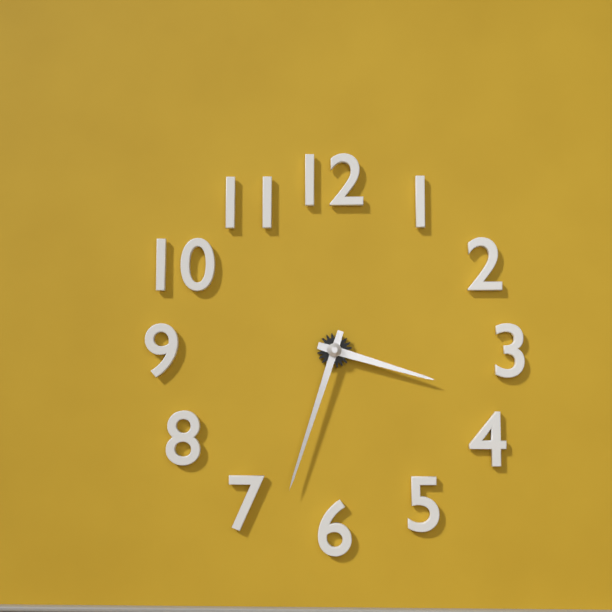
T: 3:33
